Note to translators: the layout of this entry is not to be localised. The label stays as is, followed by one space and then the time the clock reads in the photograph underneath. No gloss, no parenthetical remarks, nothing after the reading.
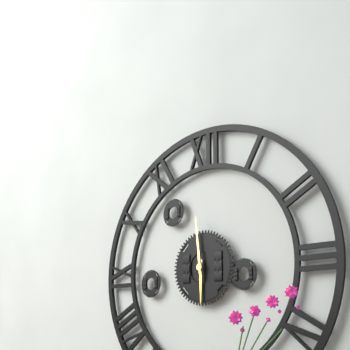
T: 5:59
